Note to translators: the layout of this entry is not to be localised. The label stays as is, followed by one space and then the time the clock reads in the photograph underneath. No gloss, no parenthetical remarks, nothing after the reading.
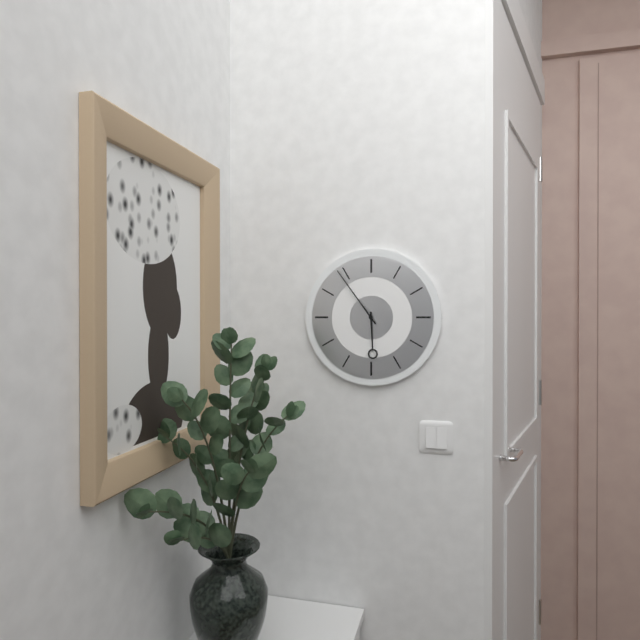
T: 5:54
